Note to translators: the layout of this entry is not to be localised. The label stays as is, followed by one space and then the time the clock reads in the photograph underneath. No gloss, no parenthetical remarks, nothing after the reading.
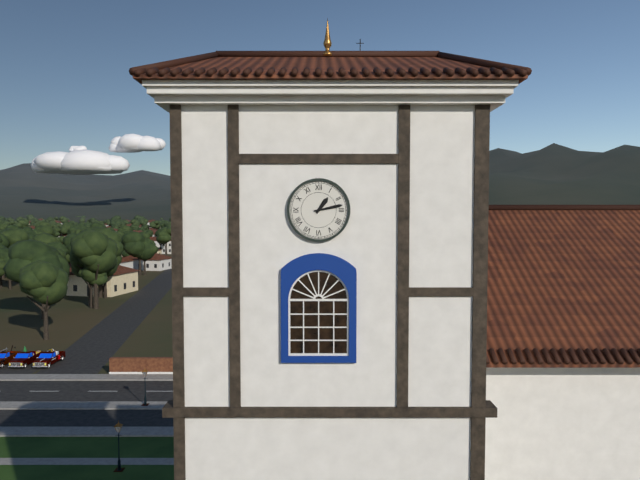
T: 1:13
